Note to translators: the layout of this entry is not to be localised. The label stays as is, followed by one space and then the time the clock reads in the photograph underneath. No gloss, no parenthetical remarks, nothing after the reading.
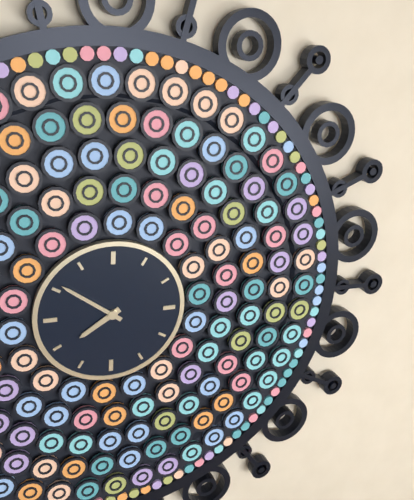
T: 7:51
